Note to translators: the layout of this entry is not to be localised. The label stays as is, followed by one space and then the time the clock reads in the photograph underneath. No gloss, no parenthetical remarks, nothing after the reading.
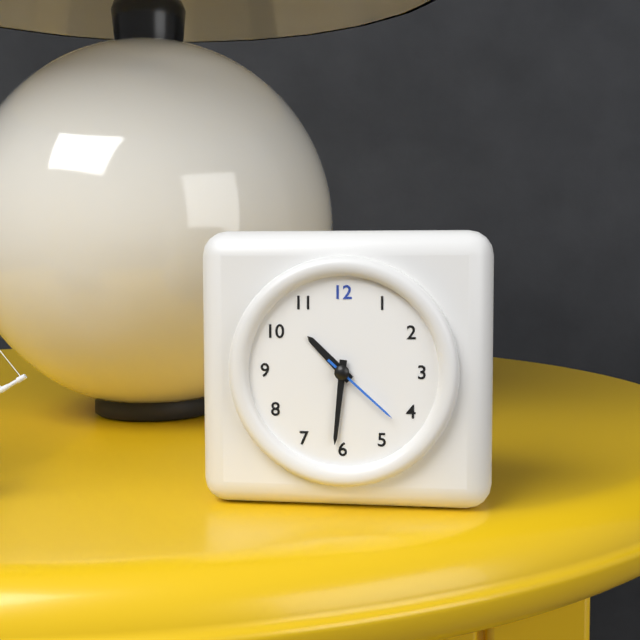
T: 10:31:22
